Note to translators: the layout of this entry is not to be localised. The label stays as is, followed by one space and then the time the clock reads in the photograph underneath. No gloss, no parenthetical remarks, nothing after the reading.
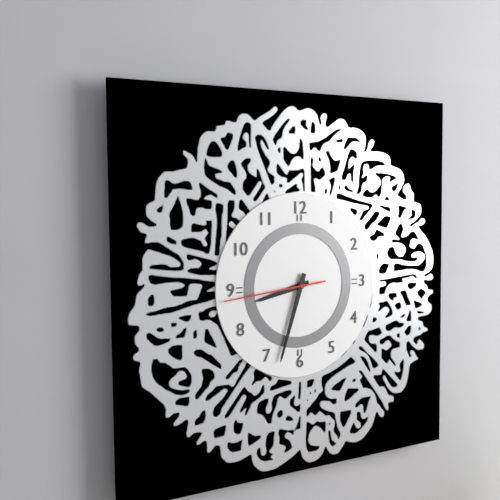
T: 8:33:44
